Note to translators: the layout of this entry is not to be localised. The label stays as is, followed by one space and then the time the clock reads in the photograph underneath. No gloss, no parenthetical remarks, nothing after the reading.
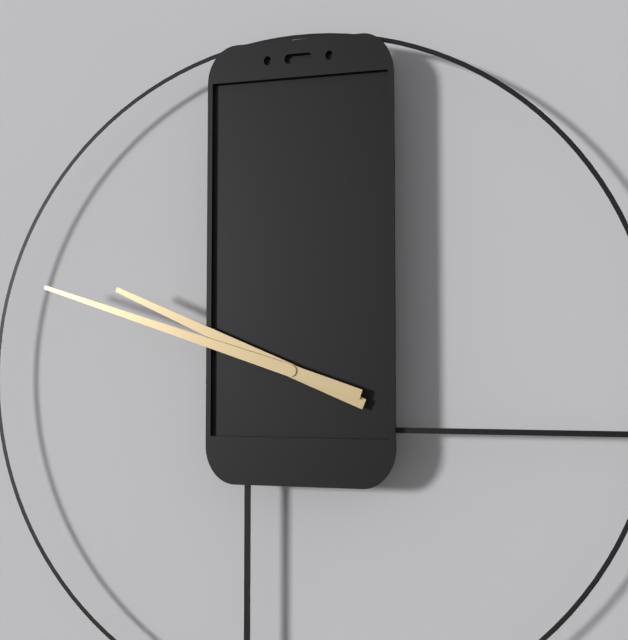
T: 9:48
